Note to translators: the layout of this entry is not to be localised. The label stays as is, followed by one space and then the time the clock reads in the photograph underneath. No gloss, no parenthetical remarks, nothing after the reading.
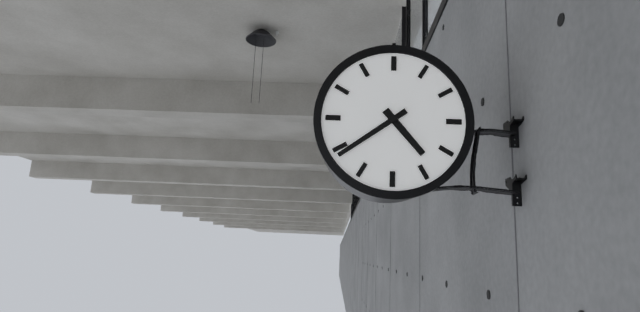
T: 4:39
